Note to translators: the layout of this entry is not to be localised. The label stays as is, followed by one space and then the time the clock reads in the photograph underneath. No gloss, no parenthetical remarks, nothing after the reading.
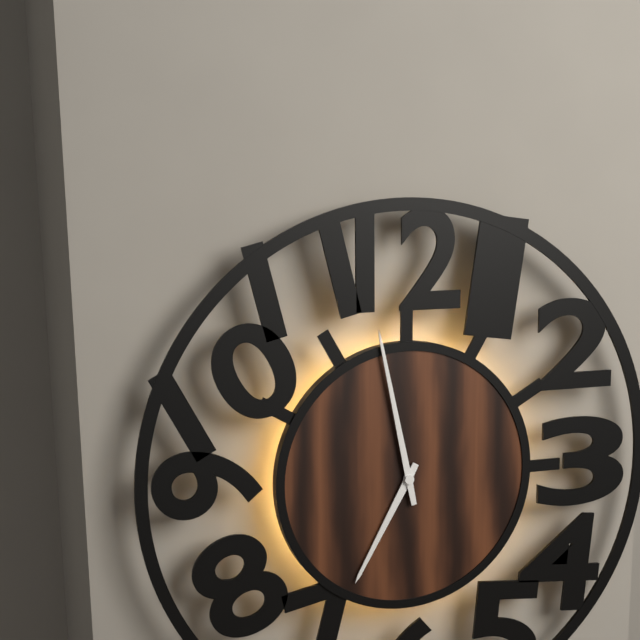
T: 6:58
